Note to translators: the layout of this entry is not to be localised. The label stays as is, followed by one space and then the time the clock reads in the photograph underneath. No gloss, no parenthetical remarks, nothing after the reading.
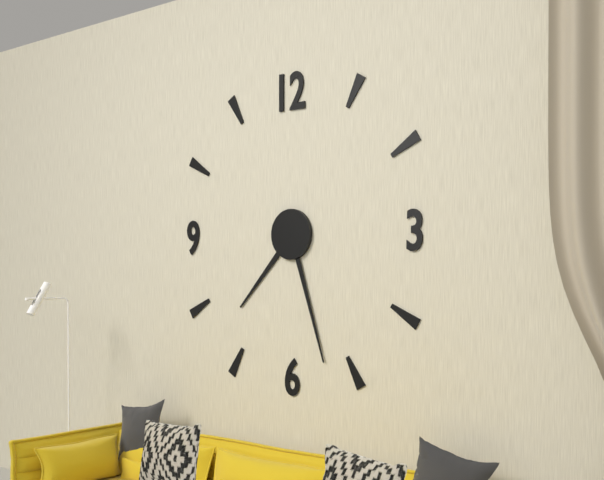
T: 7:27
